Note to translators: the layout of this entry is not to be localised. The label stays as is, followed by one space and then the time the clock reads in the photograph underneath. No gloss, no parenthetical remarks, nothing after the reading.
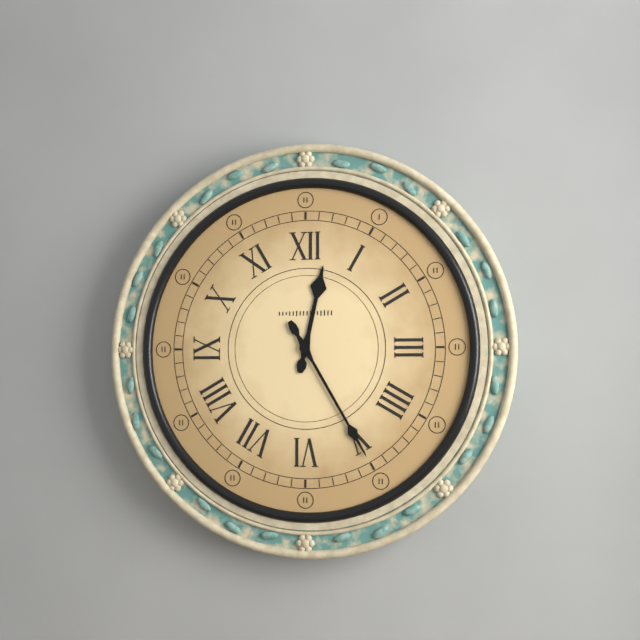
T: 12:25
